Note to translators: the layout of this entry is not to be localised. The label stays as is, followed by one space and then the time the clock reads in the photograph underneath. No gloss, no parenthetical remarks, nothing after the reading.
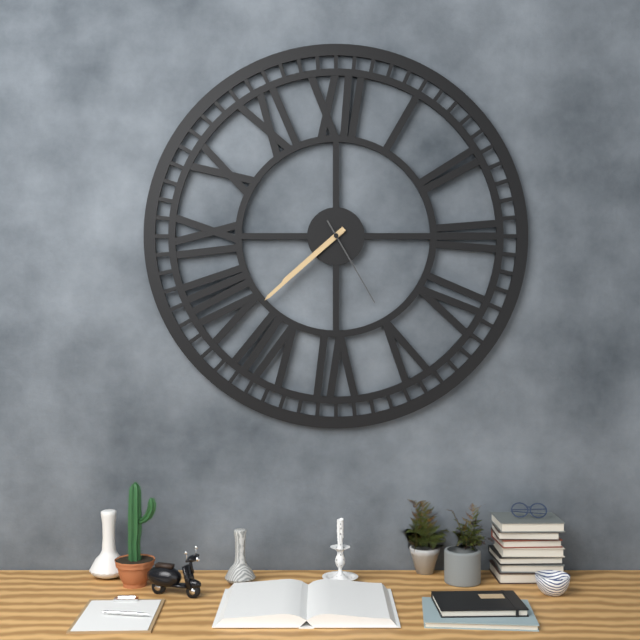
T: 7:38:25
